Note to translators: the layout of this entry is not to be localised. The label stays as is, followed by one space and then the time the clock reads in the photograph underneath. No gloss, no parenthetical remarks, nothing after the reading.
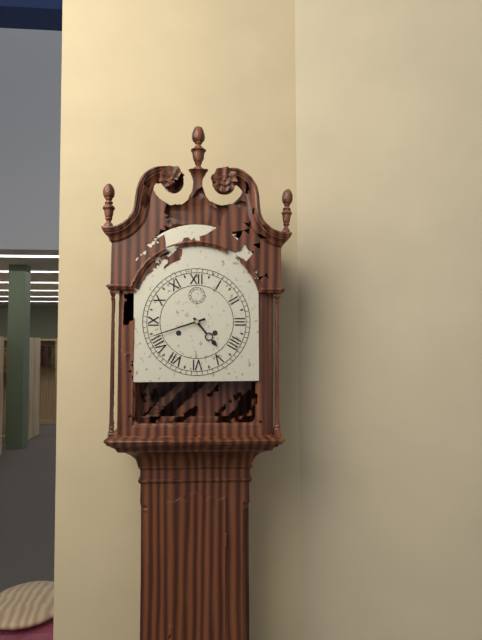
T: 4:42
